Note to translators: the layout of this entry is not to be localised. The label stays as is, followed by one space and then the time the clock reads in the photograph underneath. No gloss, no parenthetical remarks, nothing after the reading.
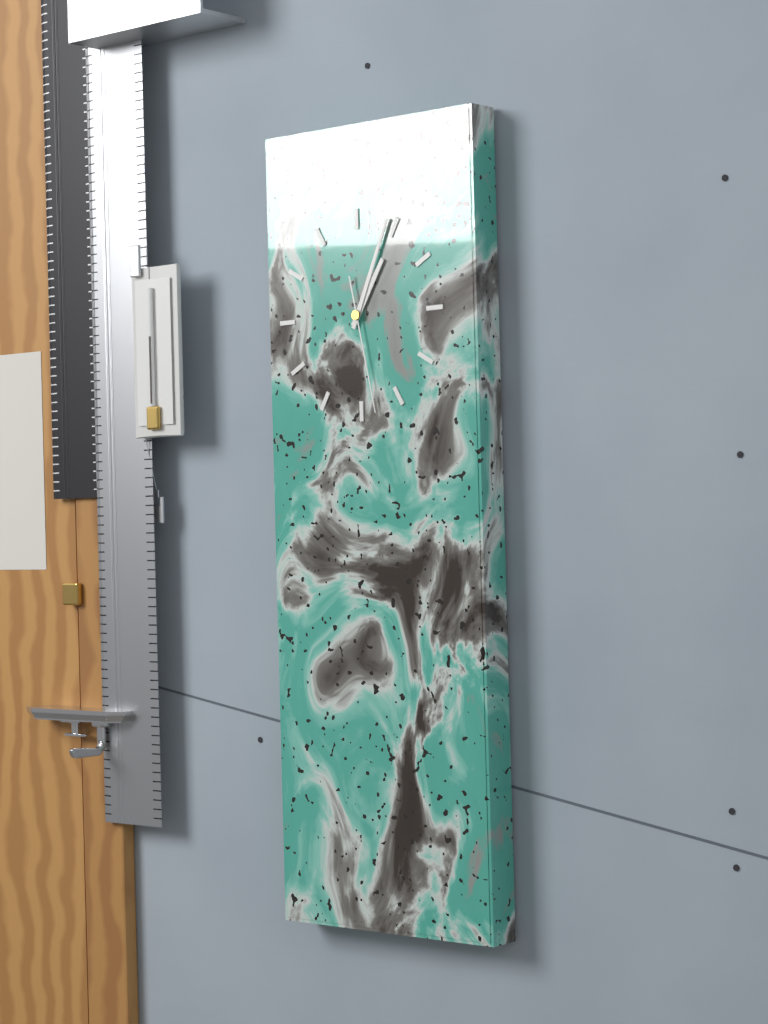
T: 1:04:28
